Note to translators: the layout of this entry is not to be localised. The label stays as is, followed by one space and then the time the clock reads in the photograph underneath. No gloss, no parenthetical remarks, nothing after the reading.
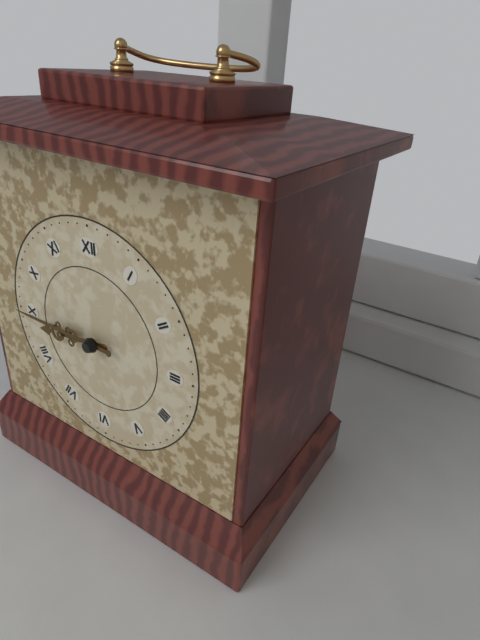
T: 8:45
